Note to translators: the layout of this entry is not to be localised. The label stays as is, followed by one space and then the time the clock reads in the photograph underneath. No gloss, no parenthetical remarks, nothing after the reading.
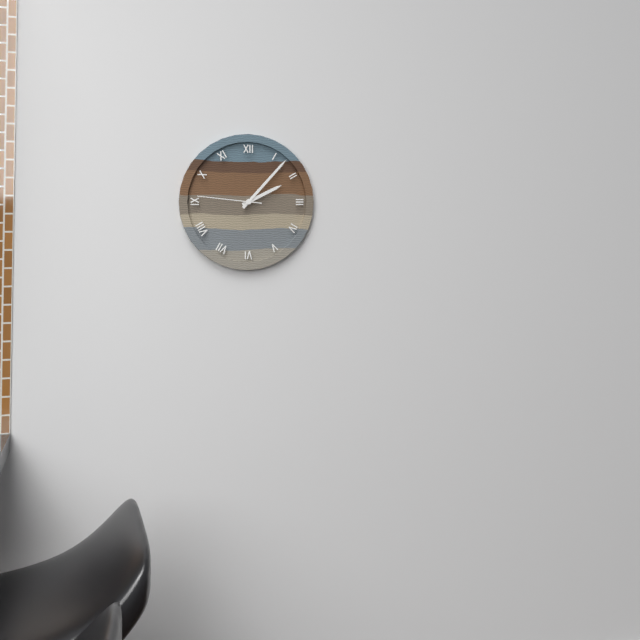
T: 2:07:46
